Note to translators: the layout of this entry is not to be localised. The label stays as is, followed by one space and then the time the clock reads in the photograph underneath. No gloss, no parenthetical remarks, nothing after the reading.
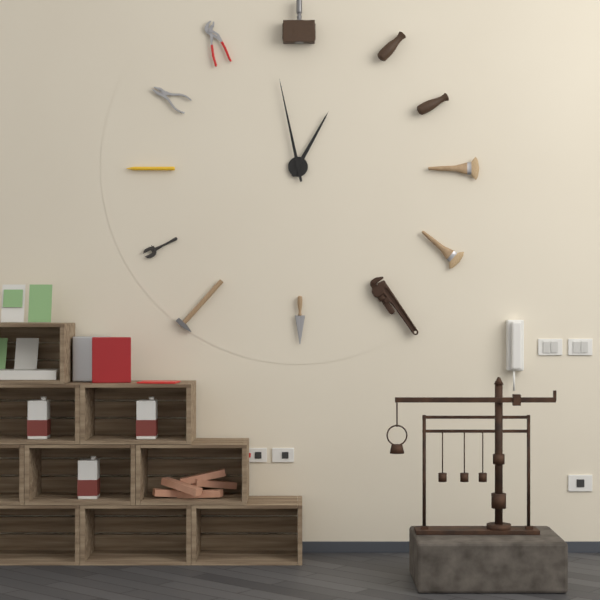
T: 12:58
